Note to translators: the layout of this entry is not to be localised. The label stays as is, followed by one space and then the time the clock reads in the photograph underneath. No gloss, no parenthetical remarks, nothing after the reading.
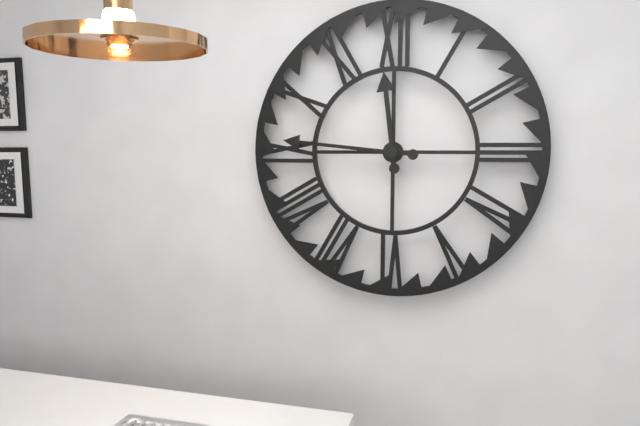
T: 11:46
